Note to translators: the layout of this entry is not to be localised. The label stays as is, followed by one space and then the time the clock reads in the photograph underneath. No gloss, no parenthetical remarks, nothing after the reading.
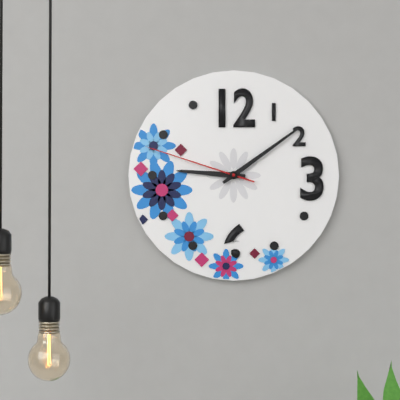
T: 9:09:48
